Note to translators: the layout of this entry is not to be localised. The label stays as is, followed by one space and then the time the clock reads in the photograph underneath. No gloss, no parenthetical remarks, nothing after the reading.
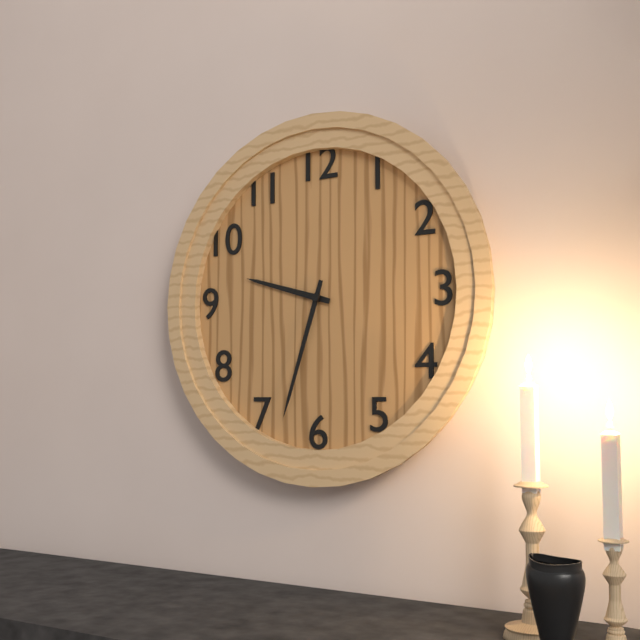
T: 9:33
